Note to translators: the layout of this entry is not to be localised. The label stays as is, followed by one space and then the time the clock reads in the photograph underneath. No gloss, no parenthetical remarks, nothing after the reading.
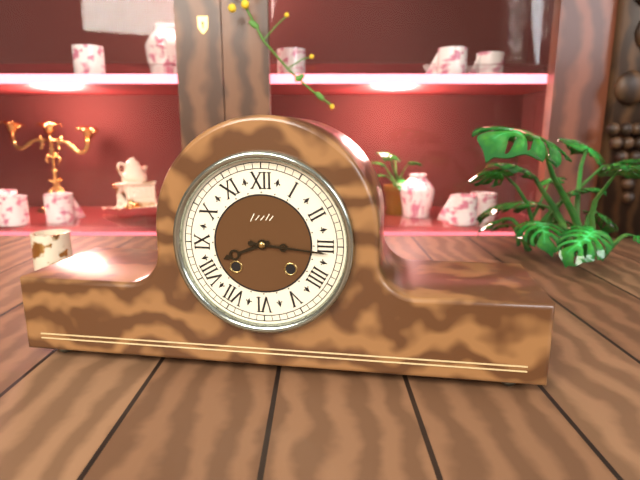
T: 8:16
